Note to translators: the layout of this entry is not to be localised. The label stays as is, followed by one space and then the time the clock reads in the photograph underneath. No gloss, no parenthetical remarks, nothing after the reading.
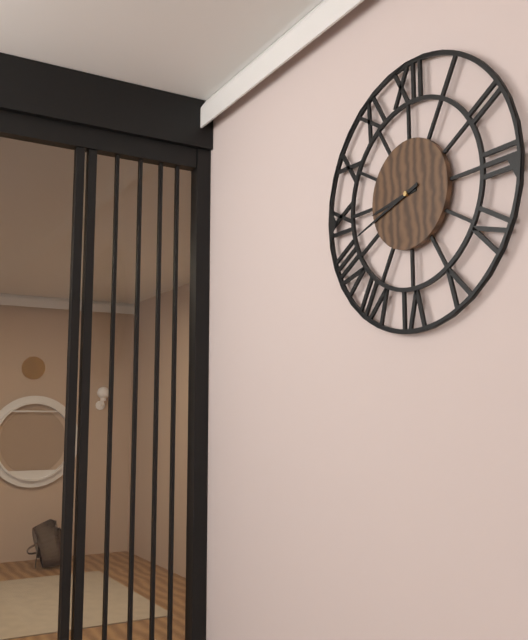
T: 8:42
